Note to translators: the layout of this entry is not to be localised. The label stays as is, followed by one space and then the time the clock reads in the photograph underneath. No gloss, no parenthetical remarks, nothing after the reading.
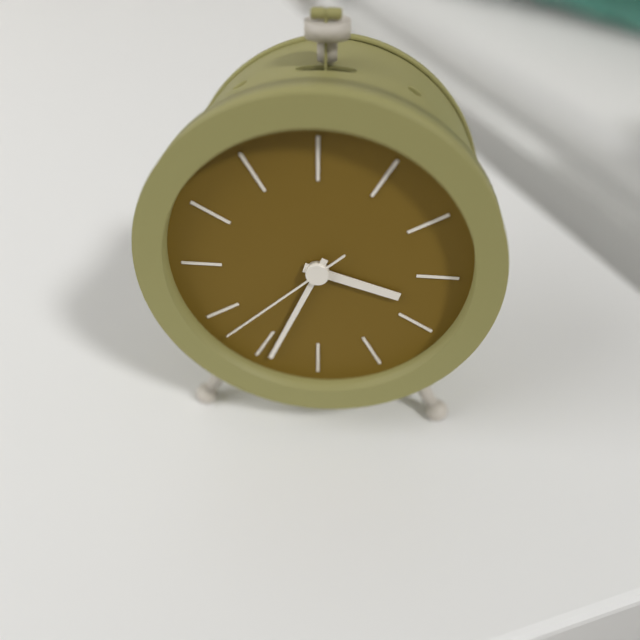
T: 3:34:38
